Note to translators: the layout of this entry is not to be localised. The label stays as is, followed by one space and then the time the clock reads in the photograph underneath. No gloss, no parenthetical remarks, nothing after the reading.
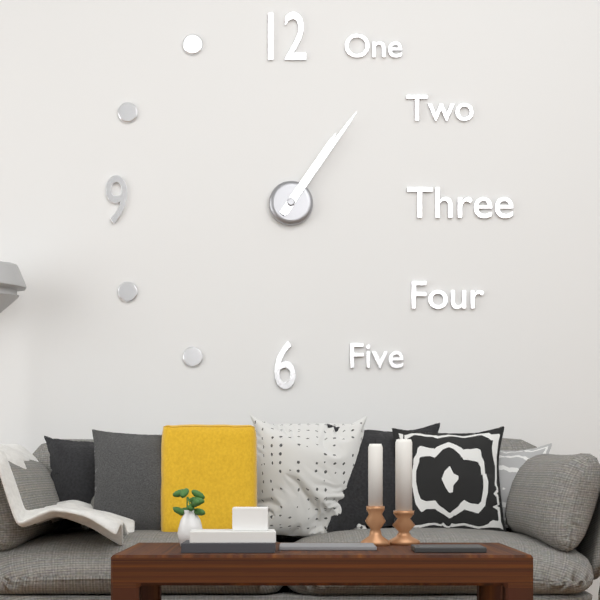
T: 1:06
